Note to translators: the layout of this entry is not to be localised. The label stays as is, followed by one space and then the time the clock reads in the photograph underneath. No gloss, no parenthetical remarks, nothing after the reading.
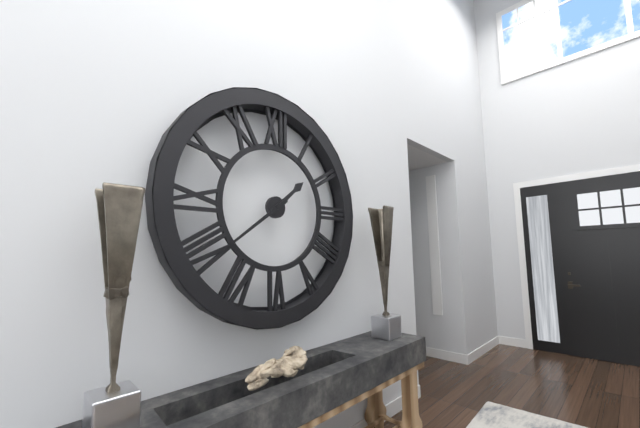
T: 1:39
